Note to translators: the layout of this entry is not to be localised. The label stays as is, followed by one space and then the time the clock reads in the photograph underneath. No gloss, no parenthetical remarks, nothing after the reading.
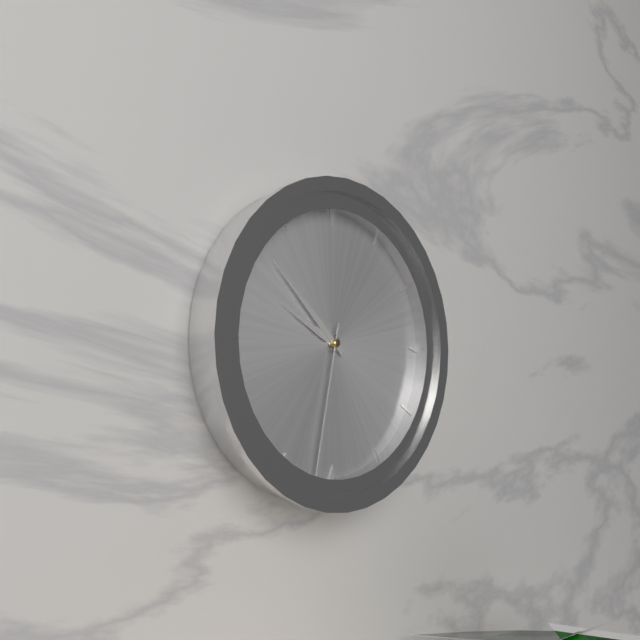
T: 9:52:32
